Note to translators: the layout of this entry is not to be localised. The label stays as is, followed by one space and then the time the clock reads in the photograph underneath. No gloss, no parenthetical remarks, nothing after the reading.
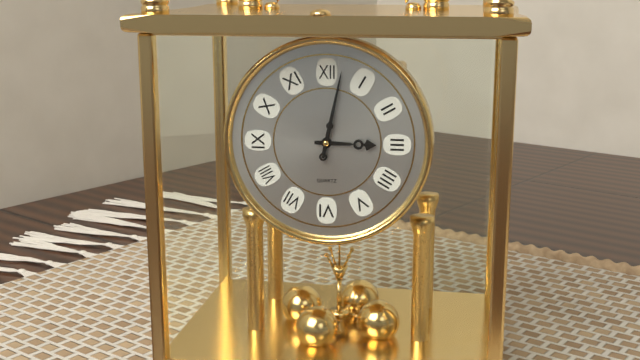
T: 3:02
